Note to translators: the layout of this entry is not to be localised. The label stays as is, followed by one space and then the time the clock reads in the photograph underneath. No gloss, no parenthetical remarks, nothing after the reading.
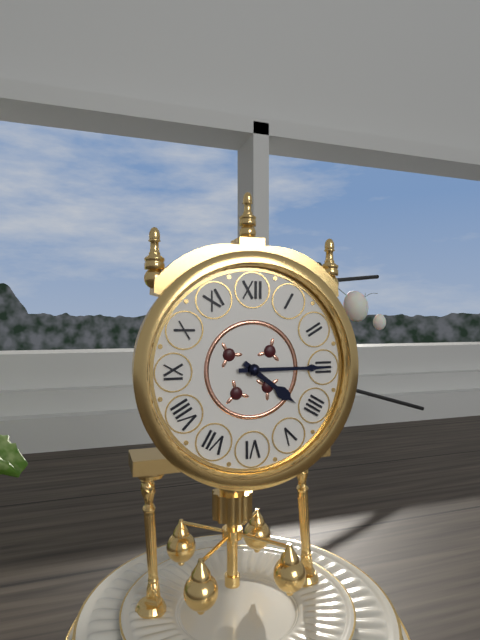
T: 4:15
